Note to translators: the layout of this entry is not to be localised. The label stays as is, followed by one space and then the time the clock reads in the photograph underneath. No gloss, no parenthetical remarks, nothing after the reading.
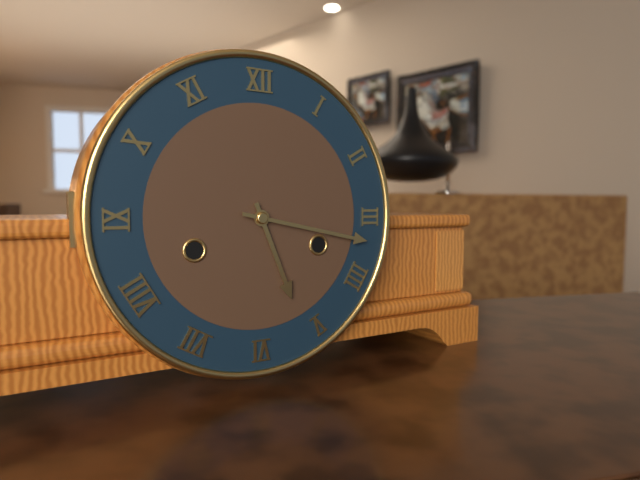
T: 5:17
